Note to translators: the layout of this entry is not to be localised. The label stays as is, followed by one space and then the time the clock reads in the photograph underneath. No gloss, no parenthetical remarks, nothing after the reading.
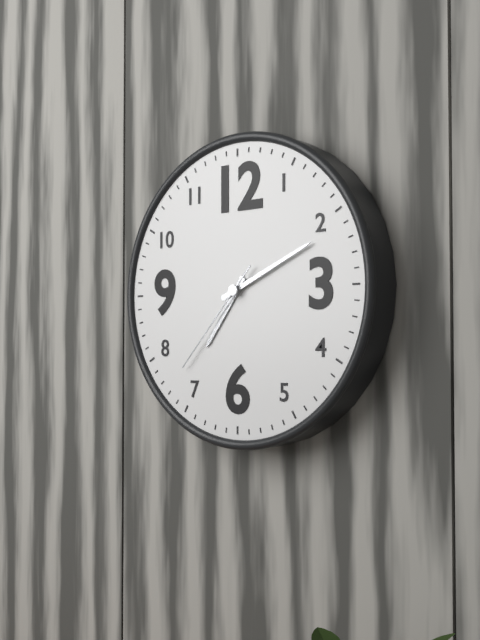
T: 7:11:37
